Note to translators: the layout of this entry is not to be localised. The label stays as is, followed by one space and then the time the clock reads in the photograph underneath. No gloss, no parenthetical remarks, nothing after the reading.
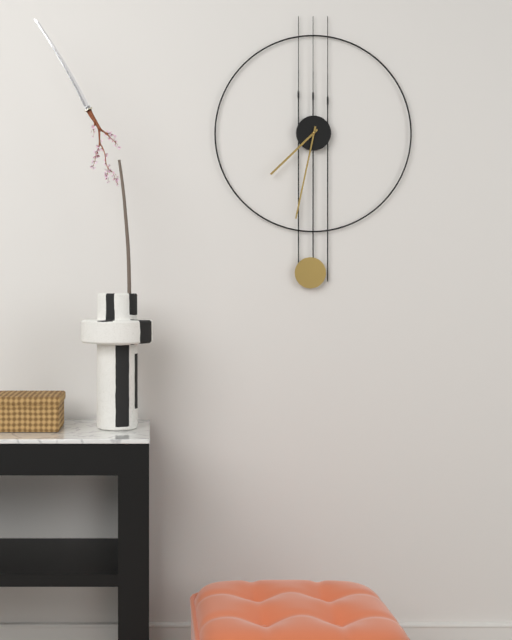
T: 7:32
